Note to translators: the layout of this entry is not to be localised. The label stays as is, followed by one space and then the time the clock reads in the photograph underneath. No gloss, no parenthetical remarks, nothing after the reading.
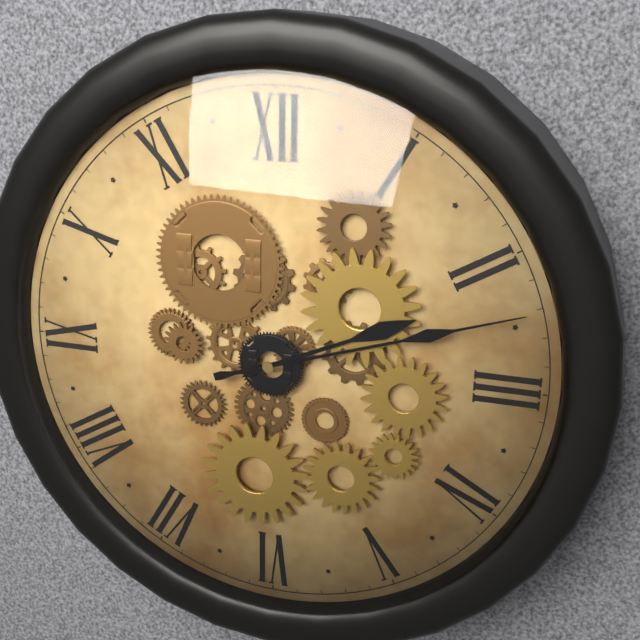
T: 2:12
